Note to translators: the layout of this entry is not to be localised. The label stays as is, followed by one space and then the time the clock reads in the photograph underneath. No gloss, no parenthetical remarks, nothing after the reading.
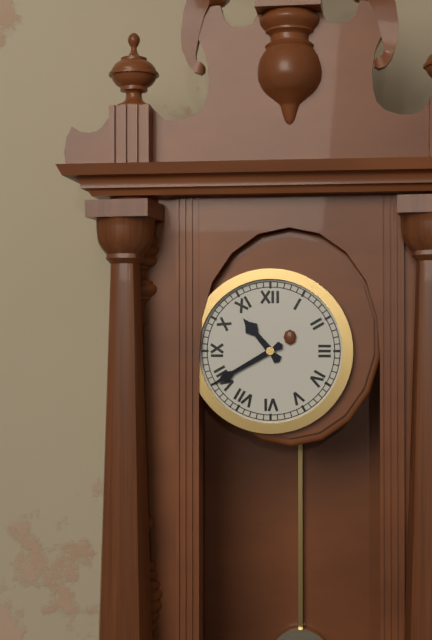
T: 10:40
